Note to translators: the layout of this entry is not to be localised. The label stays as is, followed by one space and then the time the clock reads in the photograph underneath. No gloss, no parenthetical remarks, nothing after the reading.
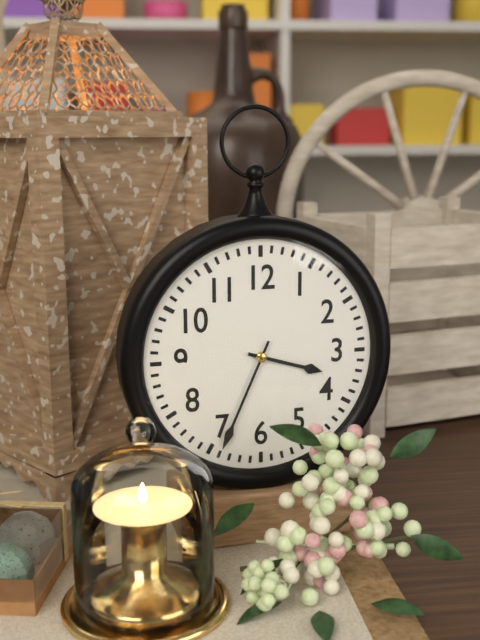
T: 3:34
